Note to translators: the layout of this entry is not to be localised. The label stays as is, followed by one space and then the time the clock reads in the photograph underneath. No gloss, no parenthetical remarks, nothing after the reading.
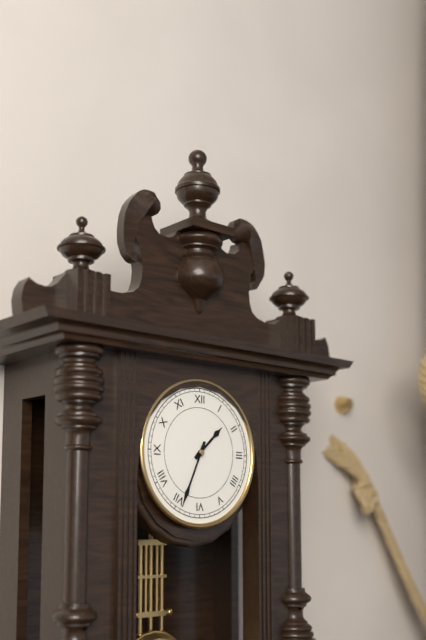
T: 1:34
